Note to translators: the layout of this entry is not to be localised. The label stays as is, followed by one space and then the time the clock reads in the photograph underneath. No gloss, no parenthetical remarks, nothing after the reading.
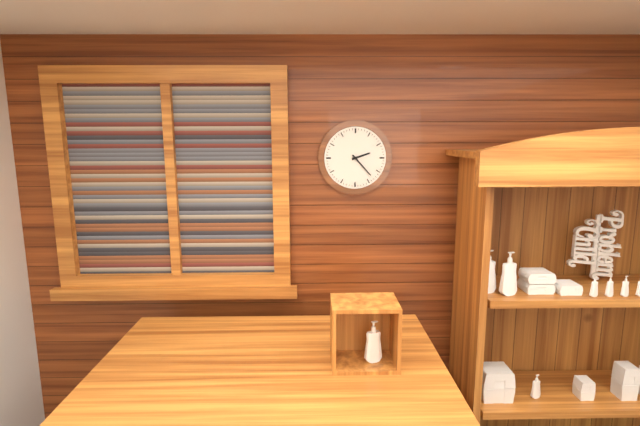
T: 2:23
